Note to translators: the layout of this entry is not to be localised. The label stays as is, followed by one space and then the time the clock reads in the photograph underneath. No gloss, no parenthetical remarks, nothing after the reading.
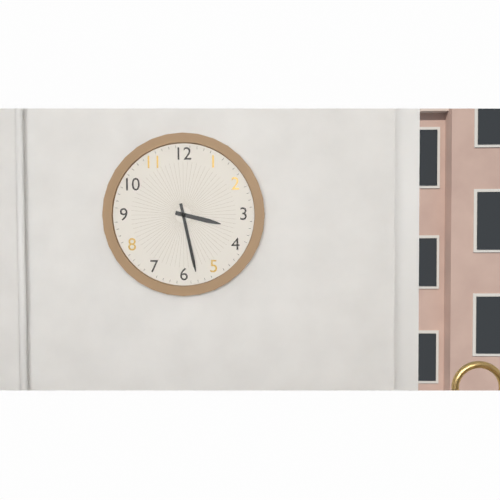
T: 3:28
